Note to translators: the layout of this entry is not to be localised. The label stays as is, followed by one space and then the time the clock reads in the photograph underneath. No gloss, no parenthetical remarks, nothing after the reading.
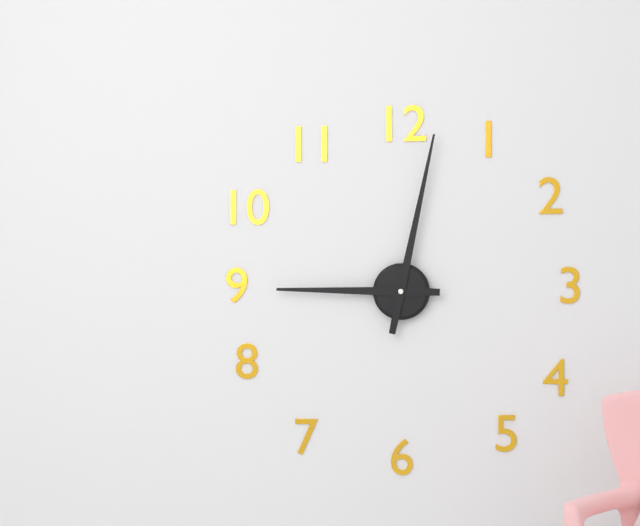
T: 9:02
